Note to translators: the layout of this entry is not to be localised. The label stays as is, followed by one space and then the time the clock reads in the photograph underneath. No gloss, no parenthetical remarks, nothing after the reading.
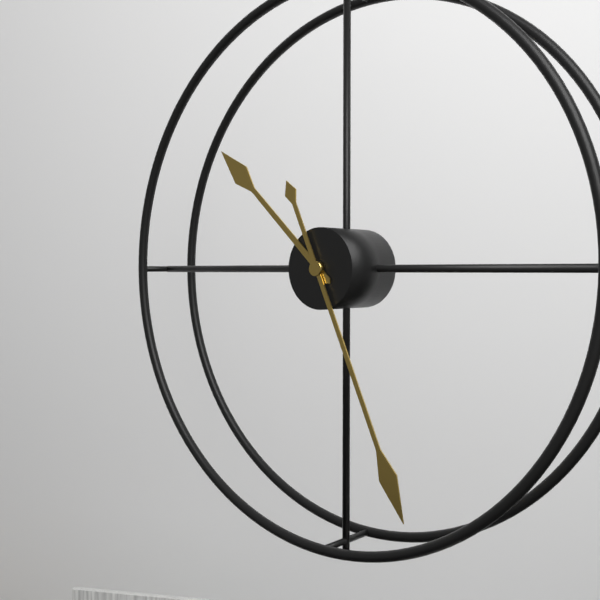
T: 10:26
